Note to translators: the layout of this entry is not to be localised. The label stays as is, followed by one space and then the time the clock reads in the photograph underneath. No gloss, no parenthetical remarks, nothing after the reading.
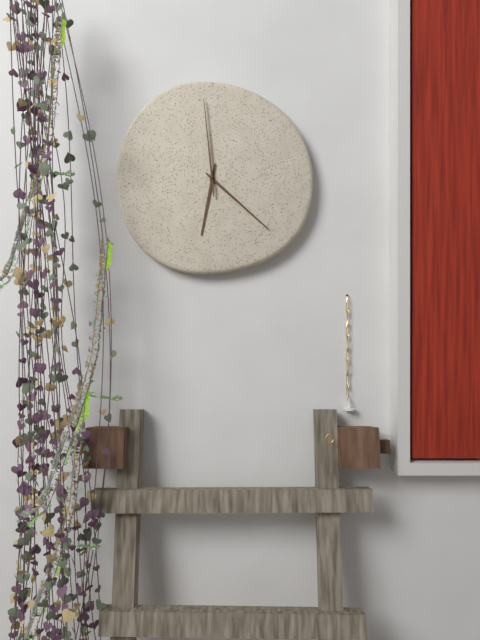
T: 6:22:59
